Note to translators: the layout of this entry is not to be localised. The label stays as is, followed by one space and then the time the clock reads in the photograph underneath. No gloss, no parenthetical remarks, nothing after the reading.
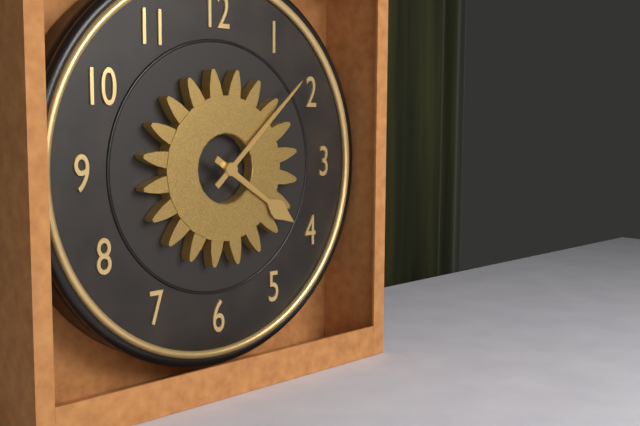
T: 4:08
